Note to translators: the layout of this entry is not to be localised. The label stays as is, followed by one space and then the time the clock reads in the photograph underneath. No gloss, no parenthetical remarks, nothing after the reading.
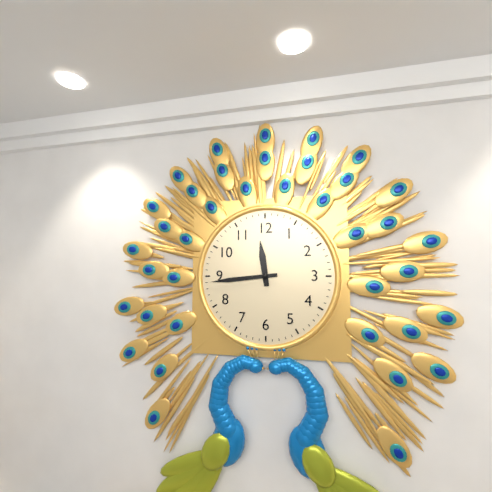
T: 11:44
